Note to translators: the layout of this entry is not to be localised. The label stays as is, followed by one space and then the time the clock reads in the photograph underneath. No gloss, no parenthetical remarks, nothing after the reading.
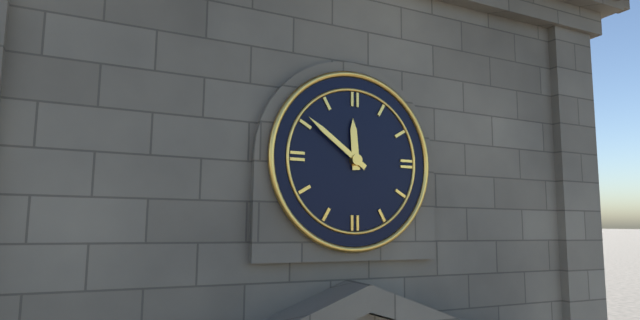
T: 11:51
